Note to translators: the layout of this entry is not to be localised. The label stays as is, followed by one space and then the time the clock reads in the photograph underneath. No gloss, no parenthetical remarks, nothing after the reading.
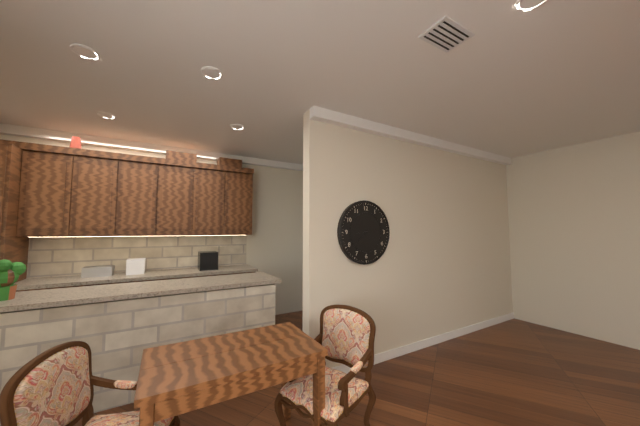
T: 8:38
